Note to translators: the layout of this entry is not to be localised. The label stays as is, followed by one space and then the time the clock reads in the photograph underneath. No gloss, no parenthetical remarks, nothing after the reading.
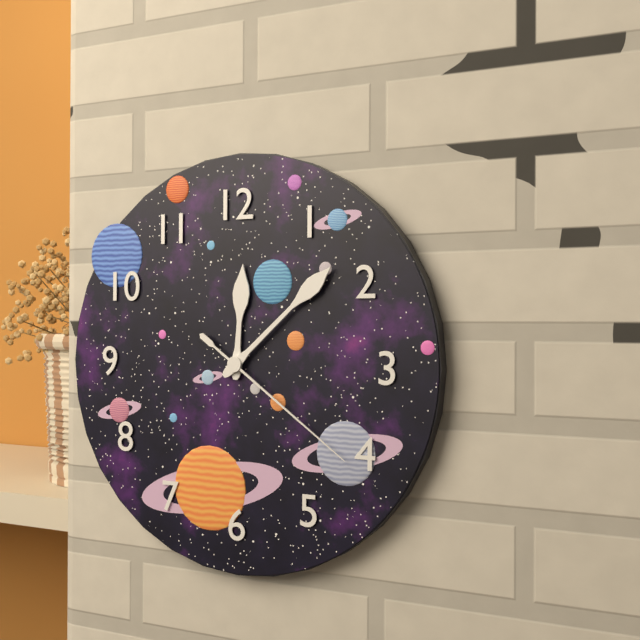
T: 12:08:21
